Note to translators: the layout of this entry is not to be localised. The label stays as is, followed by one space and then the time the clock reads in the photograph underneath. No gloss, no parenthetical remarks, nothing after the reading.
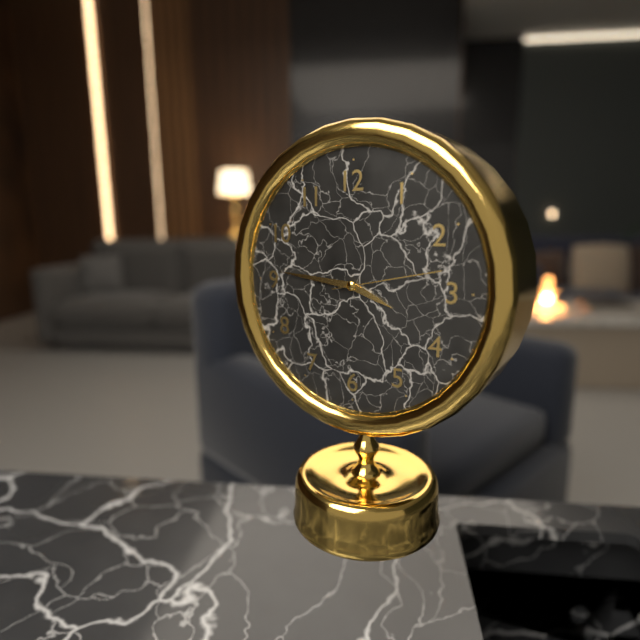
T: 3:46:13
